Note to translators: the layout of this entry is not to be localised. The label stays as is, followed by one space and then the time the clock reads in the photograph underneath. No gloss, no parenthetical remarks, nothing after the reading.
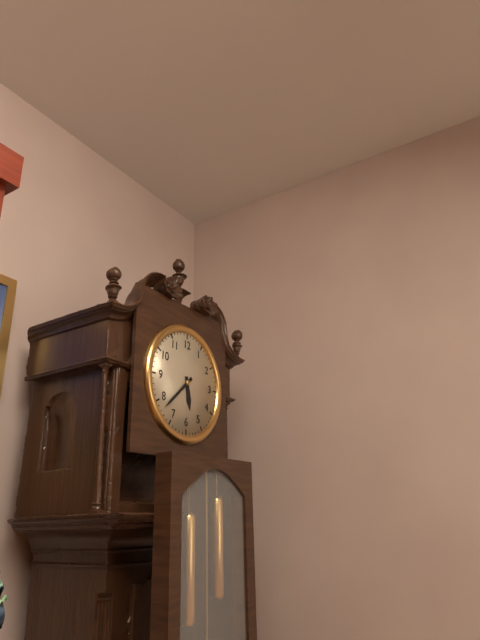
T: 5:38
